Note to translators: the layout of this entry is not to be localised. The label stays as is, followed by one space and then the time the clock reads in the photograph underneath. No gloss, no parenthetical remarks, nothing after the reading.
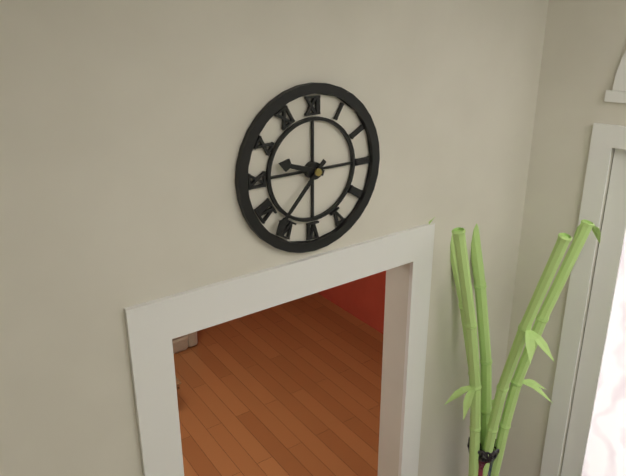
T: 9:37
